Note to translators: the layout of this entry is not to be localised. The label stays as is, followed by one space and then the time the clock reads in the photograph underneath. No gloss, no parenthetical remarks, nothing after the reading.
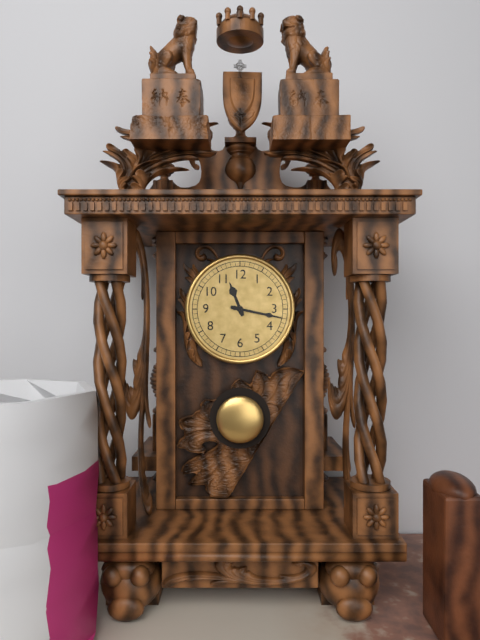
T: 11:17
